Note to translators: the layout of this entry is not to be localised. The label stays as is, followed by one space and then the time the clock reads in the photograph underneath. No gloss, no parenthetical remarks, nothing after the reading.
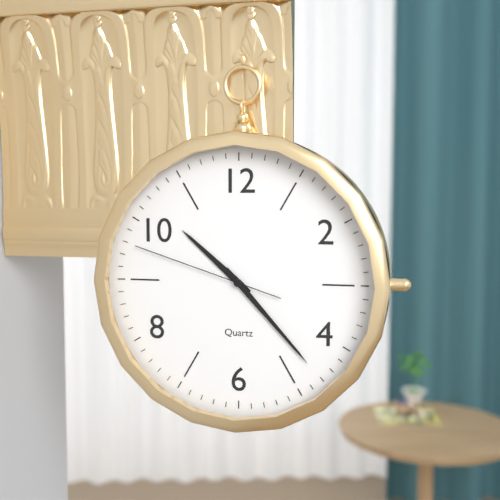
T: 10:23:48
